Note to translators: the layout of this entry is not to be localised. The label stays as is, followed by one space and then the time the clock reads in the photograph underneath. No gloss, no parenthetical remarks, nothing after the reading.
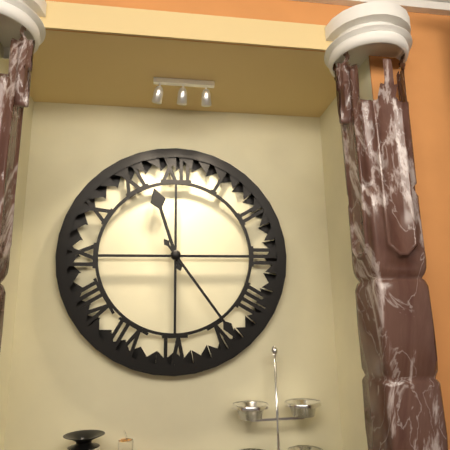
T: 11:24
